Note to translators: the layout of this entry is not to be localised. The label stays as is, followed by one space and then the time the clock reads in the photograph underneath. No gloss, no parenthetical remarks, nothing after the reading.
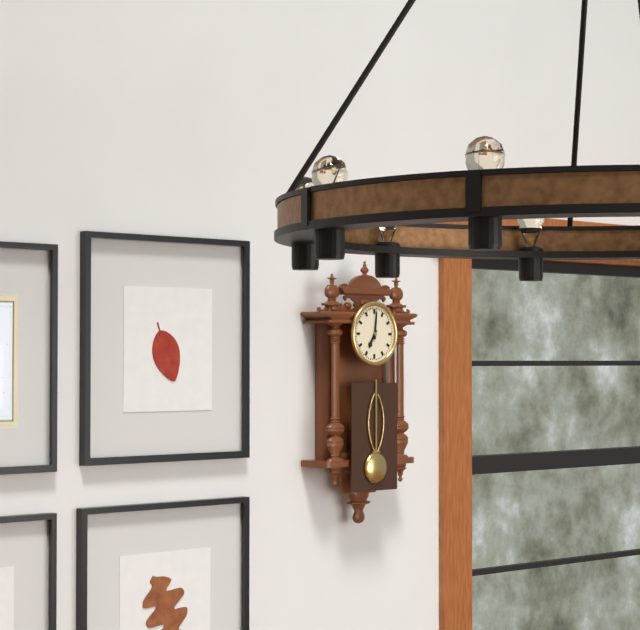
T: 7:01
